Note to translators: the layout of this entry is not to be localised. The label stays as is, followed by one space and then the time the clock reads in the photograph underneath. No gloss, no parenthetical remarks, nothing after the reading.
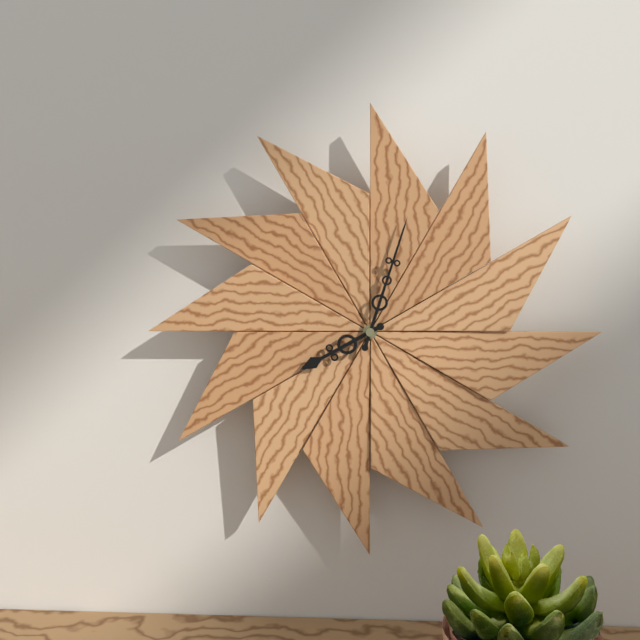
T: 8:03
